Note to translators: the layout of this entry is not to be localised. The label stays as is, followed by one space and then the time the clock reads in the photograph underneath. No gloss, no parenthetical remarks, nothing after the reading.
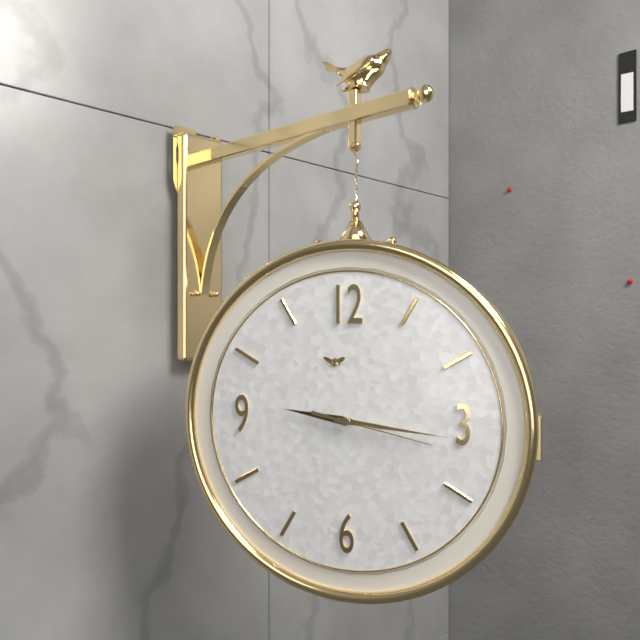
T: 9:16:17
